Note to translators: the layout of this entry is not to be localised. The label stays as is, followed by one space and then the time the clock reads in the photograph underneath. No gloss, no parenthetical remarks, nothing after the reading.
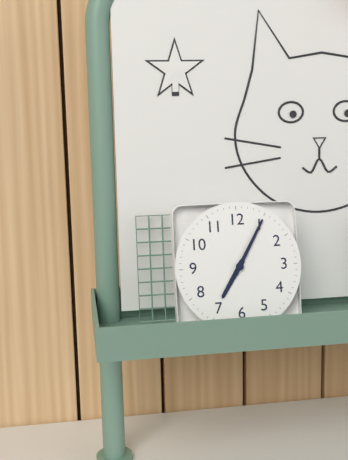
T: 7:05
